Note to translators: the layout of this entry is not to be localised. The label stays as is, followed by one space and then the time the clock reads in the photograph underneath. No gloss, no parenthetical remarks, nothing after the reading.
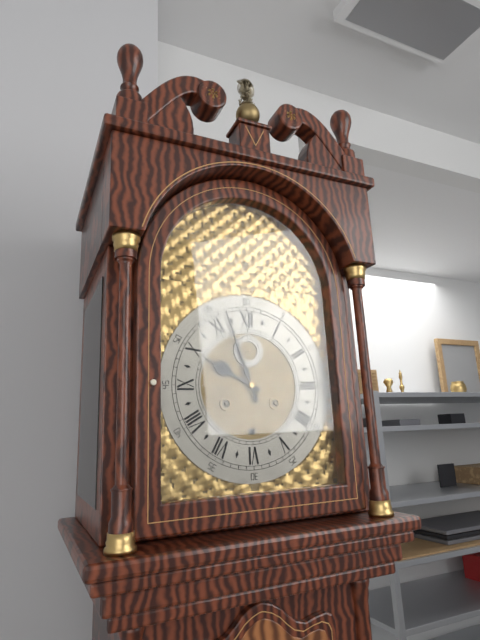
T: 9:57
